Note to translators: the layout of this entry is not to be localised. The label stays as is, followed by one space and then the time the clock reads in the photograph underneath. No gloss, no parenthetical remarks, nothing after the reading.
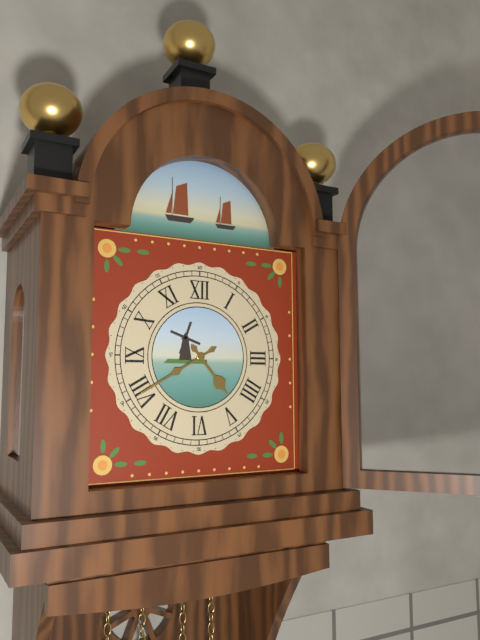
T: 4:40
